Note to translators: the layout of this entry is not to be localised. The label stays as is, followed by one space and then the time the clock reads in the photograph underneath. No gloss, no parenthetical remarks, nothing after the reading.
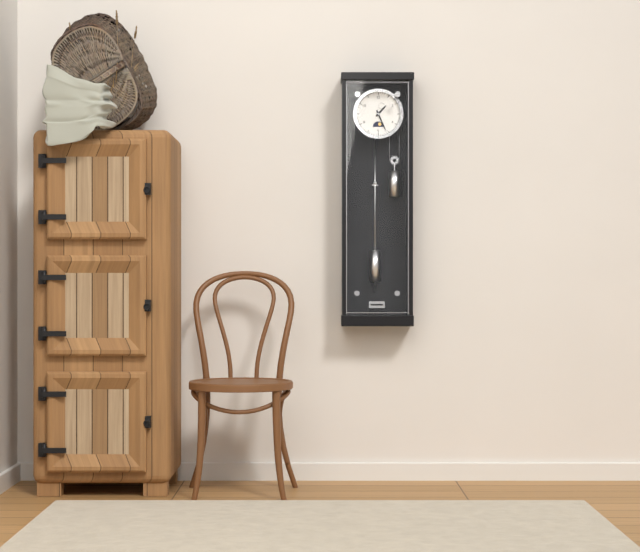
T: 1:26
